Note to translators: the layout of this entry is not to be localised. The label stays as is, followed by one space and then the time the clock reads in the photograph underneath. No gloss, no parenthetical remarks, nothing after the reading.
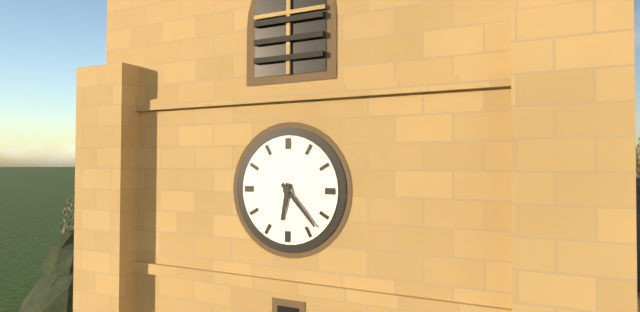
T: 6:23
